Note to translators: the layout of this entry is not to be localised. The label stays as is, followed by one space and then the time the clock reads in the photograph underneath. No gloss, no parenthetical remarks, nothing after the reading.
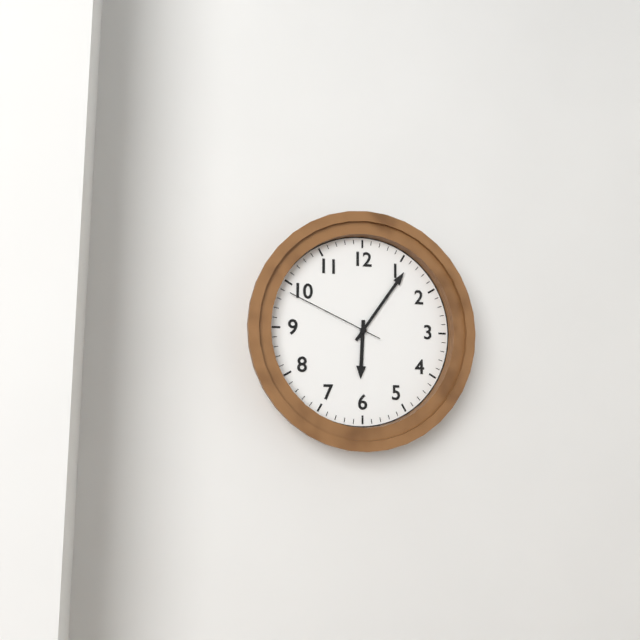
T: 6:06:49
